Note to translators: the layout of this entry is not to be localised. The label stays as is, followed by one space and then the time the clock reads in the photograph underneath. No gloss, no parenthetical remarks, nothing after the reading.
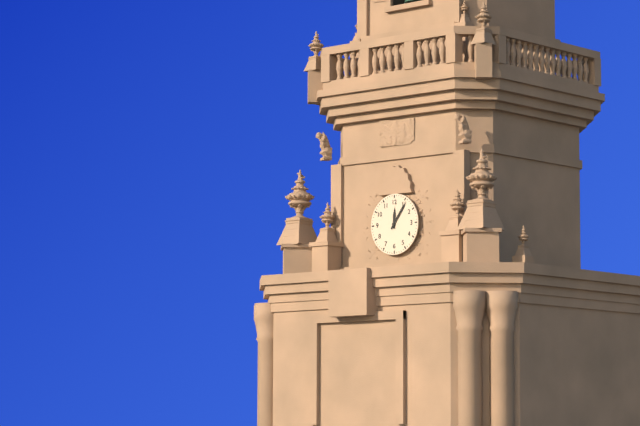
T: 12:06
